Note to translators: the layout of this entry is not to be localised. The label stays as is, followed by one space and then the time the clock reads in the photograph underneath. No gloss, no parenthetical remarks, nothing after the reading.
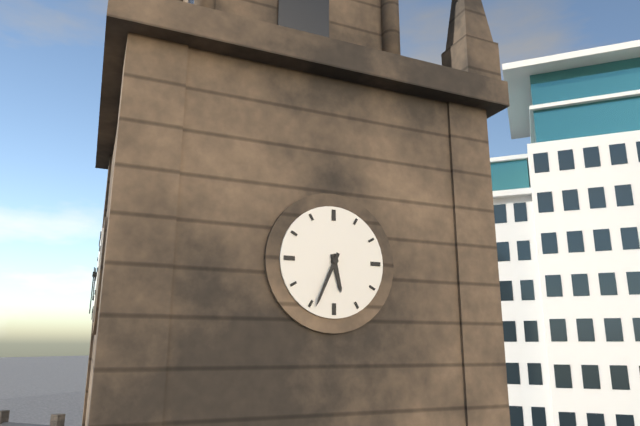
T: 5:34
